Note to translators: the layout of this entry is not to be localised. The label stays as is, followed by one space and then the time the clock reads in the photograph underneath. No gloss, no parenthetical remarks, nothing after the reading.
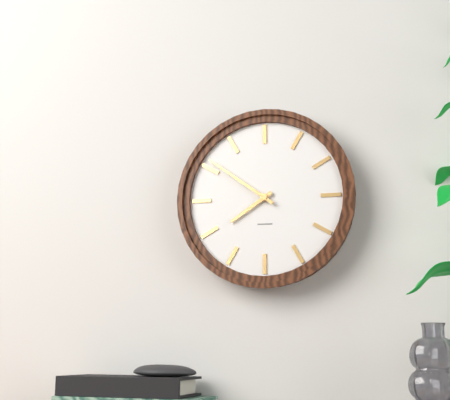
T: 7:51
